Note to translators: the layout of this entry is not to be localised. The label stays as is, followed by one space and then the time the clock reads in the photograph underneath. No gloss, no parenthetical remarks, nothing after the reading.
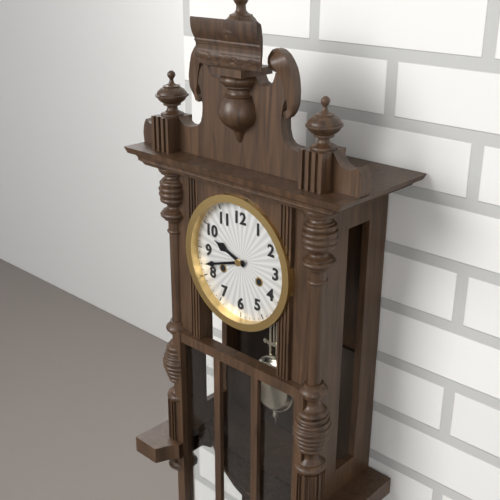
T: 9:42
